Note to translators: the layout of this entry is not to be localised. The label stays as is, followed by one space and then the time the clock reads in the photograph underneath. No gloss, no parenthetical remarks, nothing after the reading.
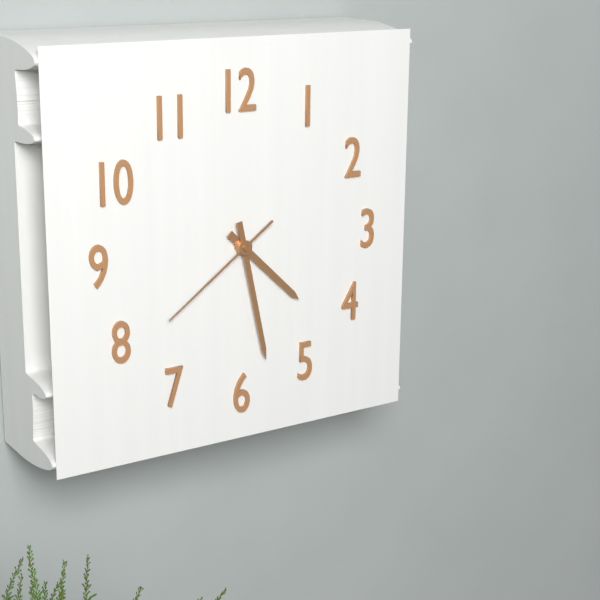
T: 4:28:39
